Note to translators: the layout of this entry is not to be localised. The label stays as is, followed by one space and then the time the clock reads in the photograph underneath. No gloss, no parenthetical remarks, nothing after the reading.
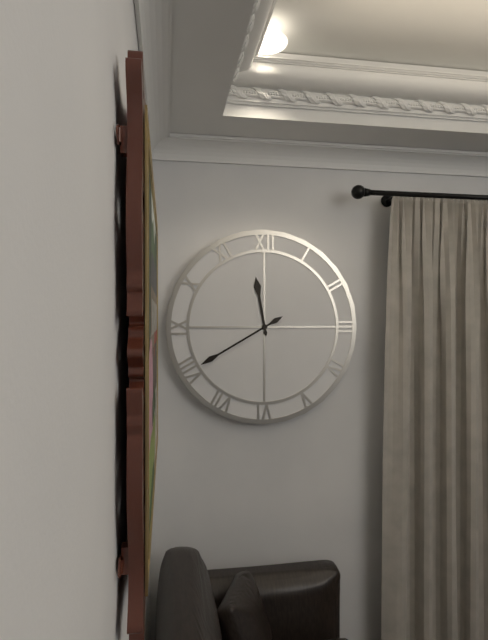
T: 11:40
